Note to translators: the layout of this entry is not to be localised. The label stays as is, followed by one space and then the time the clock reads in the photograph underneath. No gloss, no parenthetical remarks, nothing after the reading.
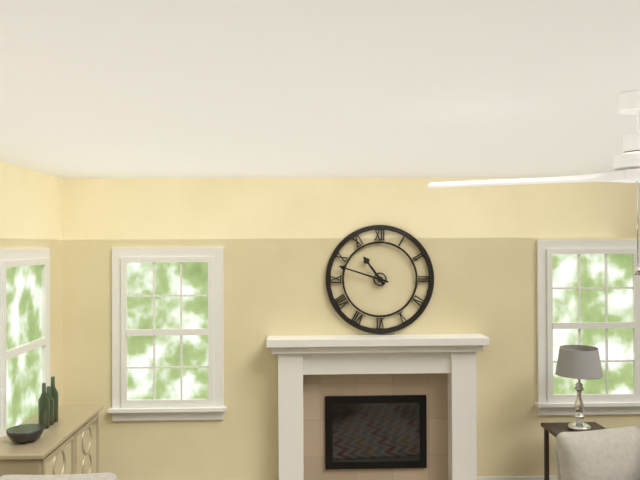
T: 10:48
